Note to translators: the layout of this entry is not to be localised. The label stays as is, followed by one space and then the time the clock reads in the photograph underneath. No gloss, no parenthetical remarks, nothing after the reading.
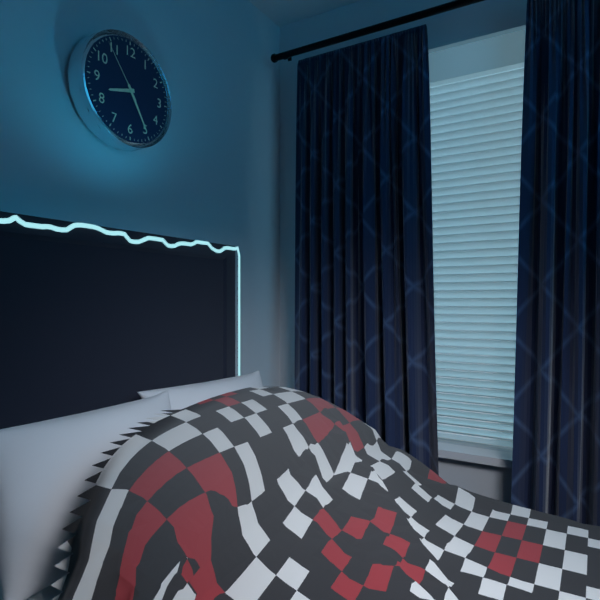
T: 8:25:54
